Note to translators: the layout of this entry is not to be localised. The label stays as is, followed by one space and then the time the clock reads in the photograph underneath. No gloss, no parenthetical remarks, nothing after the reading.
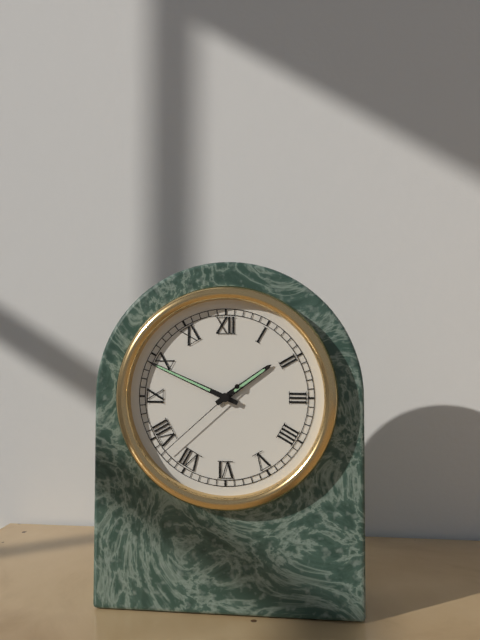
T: 1:49:38
